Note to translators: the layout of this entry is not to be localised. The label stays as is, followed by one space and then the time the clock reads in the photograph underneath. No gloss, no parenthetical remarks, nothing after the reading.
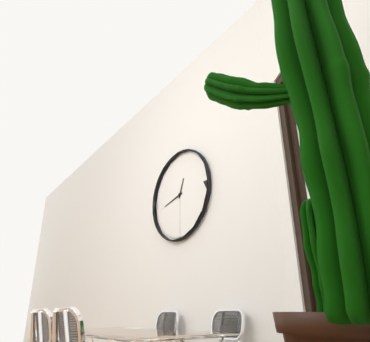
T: 12:43
